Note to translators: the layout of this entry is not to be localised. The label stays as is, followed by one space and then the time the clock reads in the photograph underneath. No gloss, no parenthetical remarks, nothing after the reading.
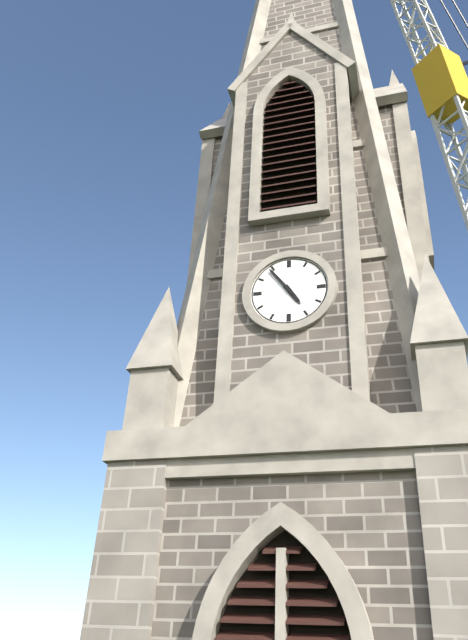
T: 4:54
